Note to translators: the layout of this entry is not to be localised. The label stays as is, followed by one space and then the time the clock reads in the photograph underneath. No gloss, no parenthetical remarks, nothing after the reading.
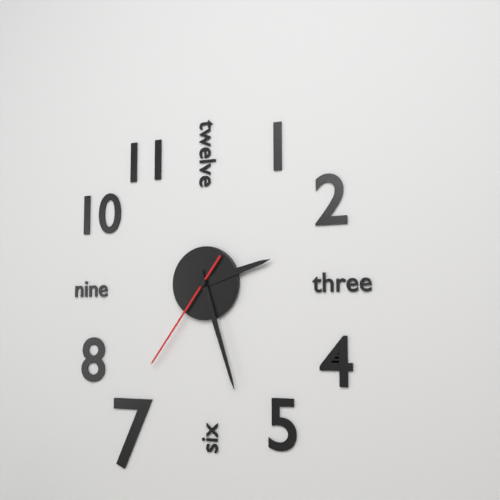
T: 2:27:36
